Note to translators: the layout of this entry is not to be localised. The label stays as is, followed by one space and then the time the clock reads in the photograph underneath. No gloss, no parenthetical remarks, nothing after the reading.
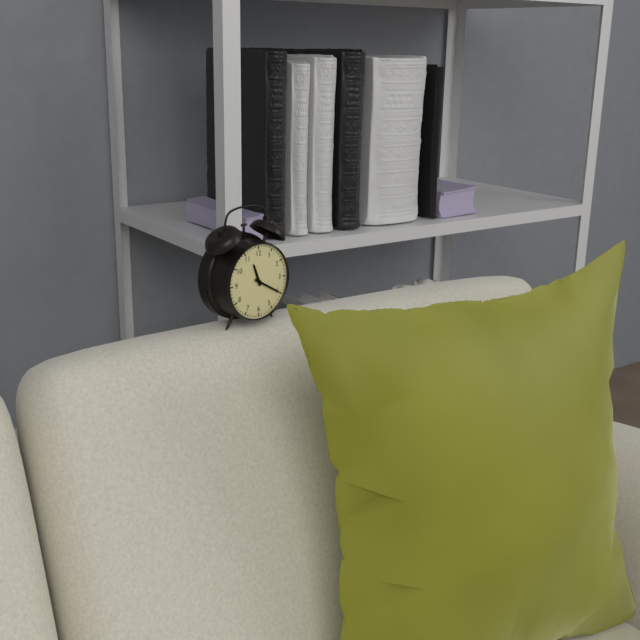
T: 11:20
